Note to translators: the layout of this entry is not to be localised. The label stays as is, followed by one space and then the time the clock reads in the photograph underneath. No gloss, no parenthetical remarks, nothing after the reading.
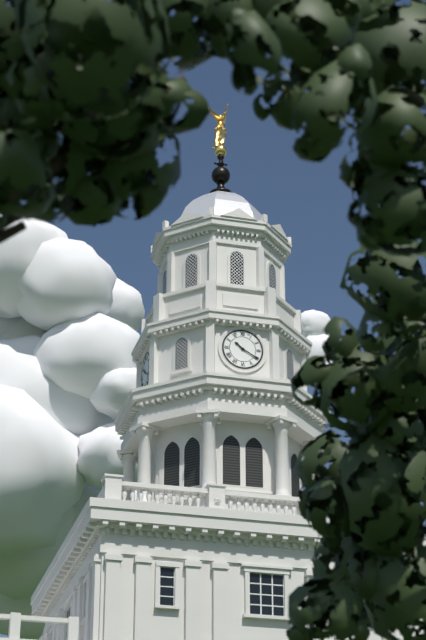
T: 10:20
